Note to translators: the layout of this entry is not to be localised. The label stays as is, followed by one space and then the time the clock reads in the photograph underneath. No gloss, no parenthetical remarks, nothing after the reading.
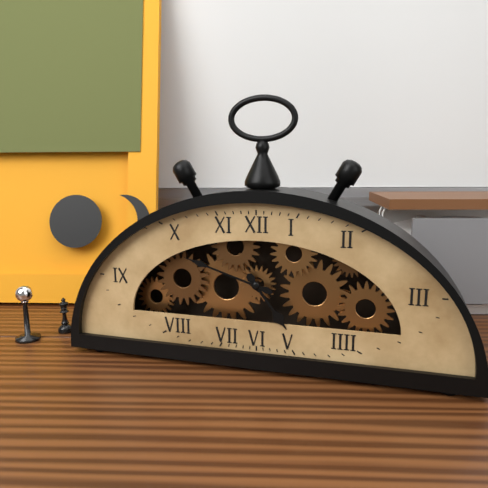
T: 4:48
